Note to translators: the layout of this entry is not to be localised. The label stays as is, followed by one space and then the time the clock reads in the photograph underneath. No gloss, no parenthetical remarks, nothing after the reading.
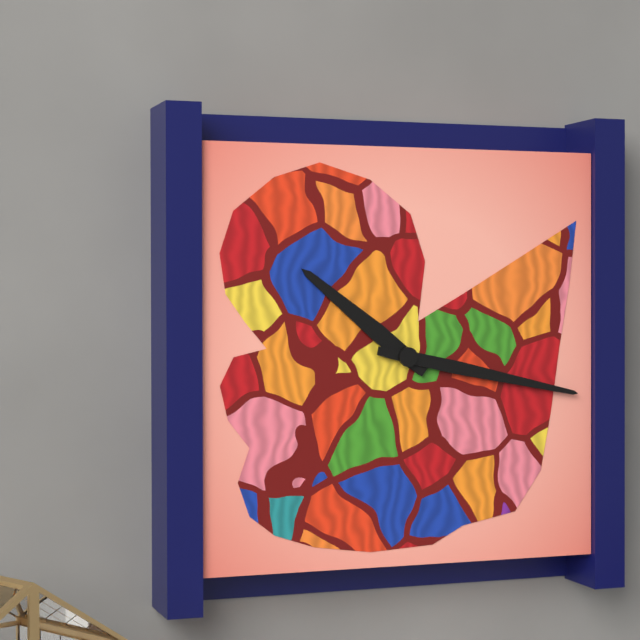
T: 10:17
